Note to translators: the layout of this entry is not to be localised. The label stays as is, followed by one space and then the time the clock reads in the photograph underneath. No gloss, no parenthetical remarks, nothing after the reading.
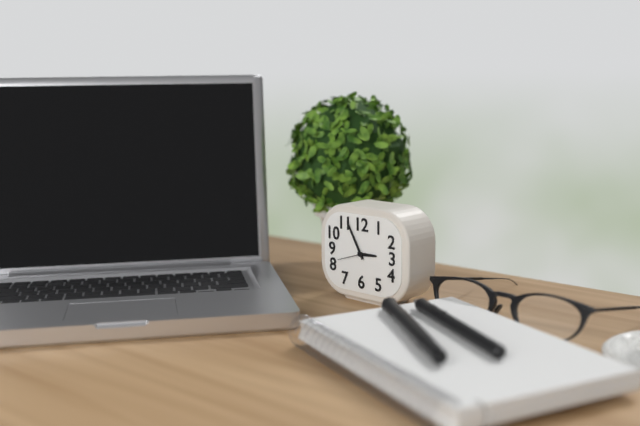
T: 2:55
